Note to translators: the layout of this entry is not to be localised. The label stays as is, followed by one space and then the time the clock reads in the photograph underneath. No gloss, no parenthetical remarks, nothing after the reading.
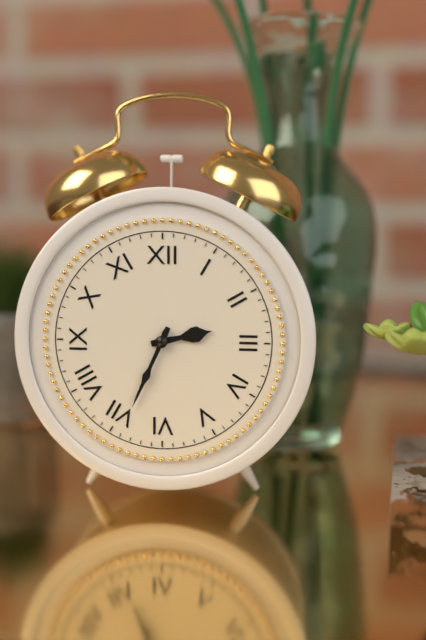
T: 2:34
